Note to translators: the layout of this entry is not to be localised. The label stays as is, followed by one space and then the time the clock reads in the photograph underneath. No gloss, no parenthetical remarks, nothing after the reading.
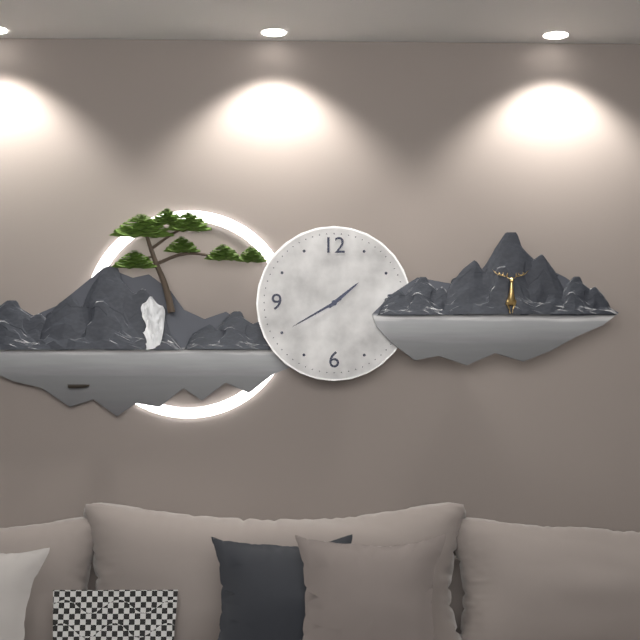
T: 1:40
